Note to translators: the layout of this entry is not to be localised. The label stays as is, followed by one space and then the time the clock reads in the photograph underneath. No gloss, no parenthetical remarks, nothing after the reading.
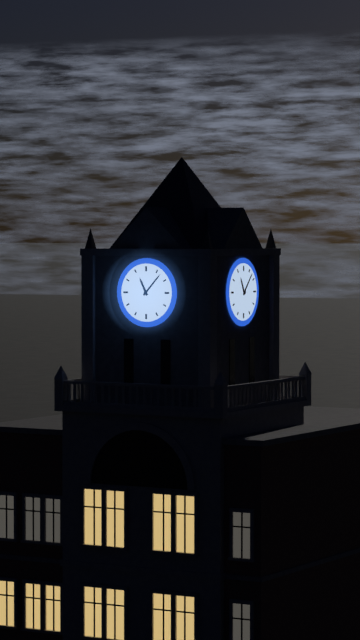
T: 11:07
